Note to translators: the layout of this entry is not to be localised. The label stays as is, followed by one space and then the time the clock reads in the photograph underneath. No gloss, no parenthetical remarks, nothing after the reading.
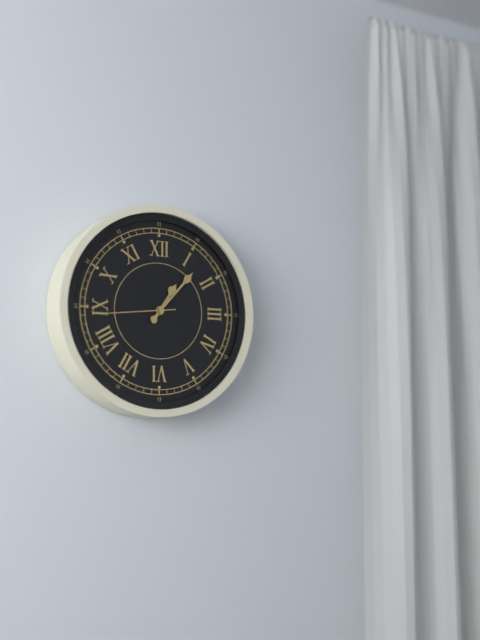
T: 1:07:44
